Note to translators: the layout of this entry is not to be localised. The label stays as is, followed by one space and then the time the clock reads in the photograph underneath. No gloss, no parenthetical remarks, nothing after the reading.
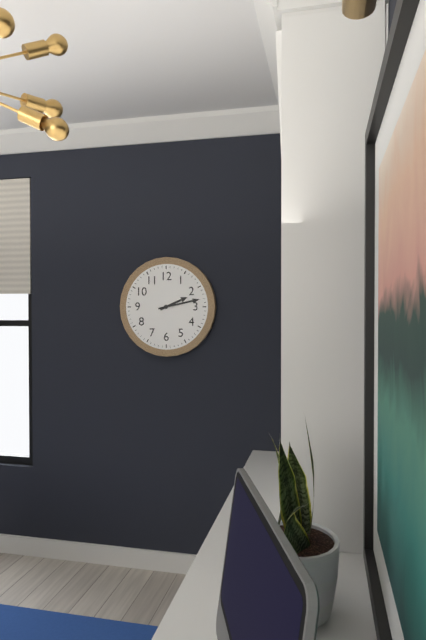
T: 2:13
